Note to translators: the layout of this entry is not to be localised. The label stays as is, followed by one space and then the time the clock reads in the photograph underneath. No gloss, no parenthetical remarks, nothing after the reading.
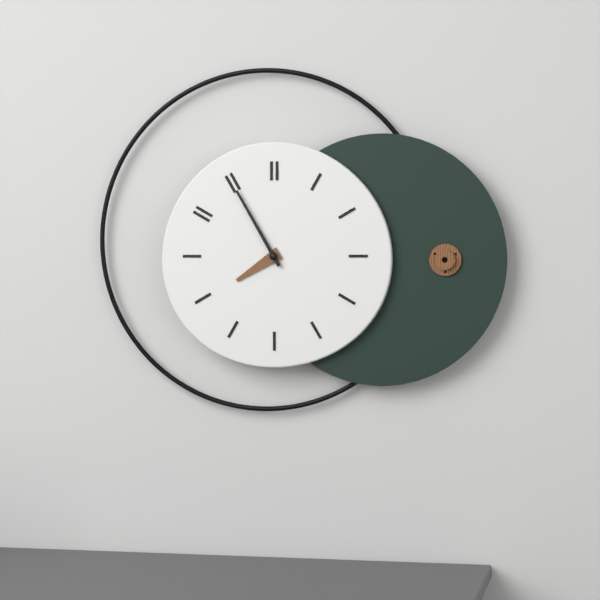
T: 7:55
